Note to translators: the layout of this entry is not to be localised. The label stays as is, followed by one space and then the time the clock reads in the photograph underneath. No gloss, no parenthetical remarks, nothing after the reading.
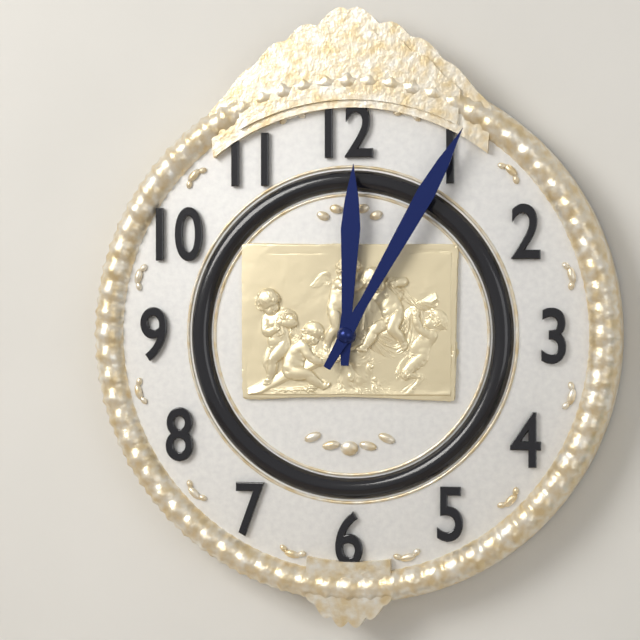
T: 12:05
